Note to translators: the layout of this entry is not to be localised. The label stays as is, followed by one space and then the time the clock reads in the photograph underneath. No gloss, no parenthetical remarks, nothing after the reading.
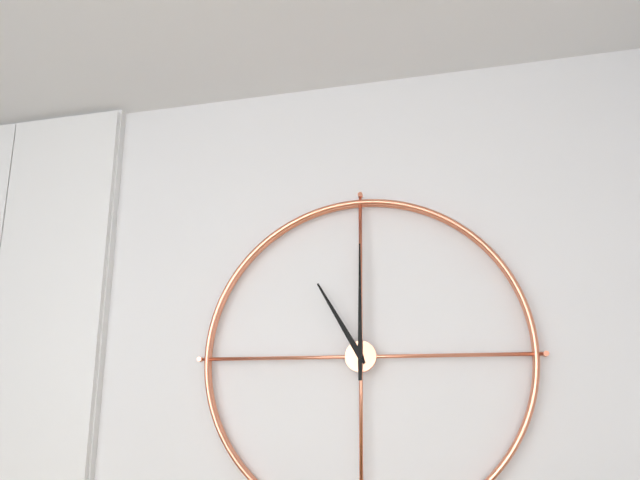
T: 11:00
